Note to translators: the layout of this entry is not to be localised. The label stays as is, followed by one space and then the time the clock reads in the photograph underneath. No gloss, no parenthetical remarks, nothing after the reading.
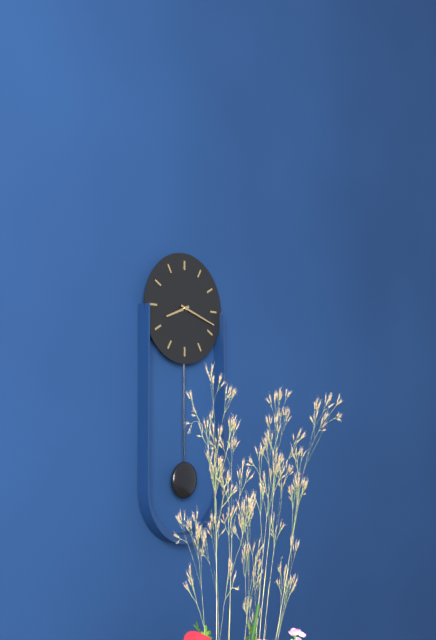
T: 8:18
